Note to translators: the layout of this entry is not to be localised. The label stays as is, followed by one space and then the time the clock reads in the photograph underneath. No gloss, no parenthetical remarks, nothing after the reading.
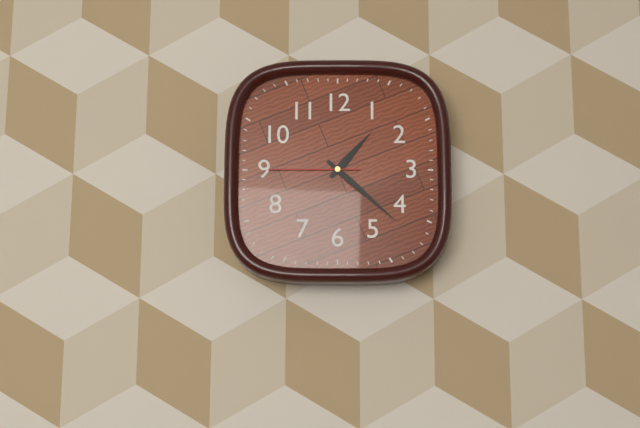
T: 1:22:45
